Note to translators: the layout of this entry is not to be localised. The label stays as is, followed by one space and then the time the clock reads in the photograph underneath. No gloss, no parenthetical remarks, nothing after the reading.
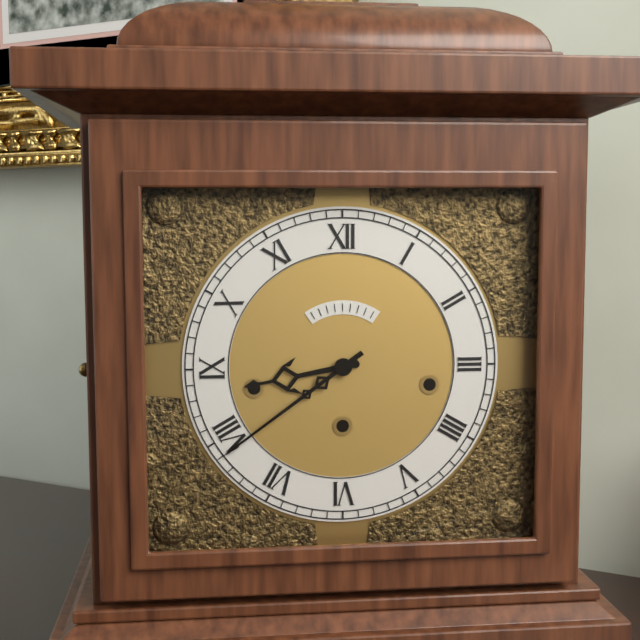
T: 8:39
